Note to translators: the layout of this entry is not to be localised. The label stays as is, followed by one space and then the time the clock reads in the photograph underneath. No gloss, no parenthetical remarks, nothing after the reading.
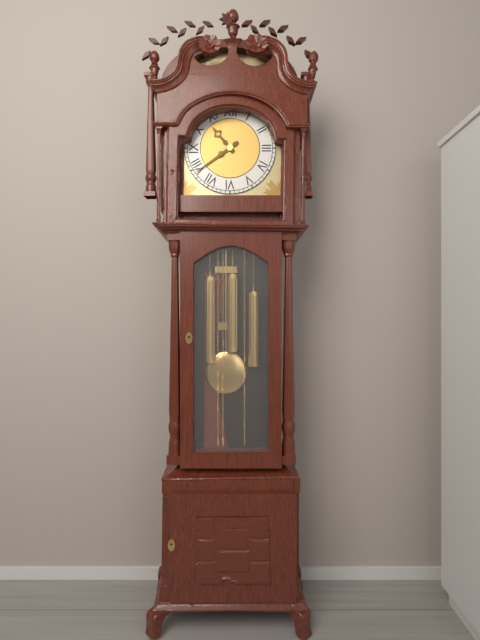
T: 10:39
